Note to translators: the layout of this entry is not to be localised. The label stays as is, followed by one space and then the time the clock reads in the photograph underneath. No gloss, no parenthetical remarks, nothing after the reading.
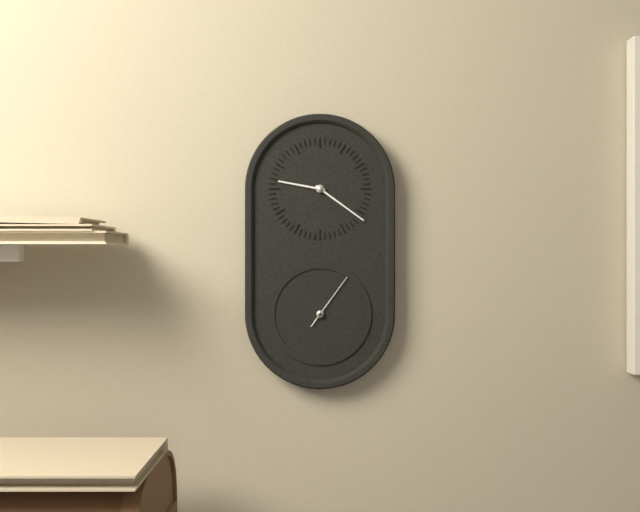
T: 9:21:06
